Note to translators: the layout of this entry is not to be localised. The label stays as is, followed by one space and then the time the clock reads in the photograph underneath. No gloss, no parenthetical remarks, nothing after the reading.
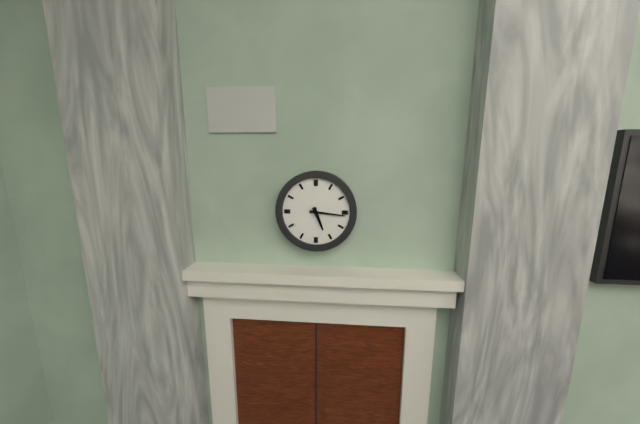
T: 5:16
